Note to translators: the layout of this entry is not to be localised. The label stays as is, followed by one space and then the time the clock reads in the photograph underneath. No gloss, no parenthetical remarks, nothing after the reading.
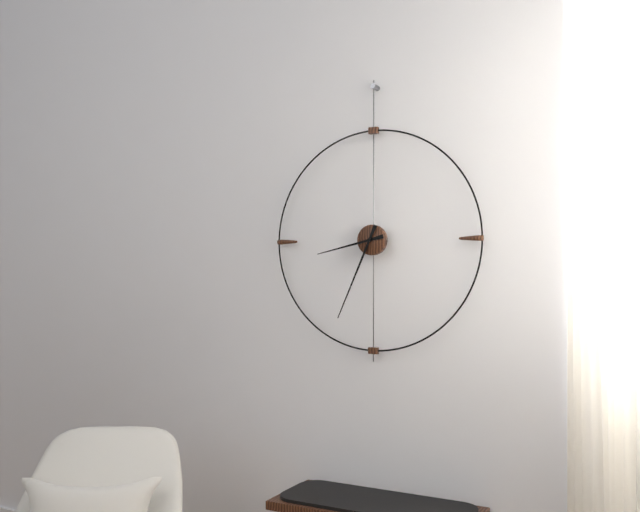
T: 8:34
